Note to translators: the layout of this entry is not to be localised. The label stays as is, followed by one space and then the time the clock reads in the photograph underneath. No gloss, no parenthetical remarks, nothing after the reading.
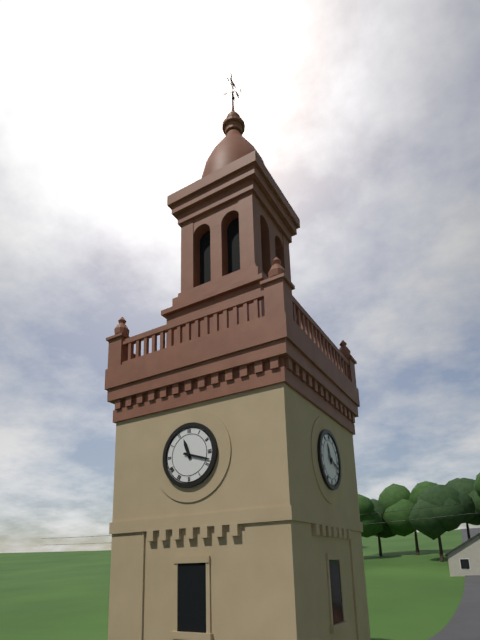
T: 11:18
